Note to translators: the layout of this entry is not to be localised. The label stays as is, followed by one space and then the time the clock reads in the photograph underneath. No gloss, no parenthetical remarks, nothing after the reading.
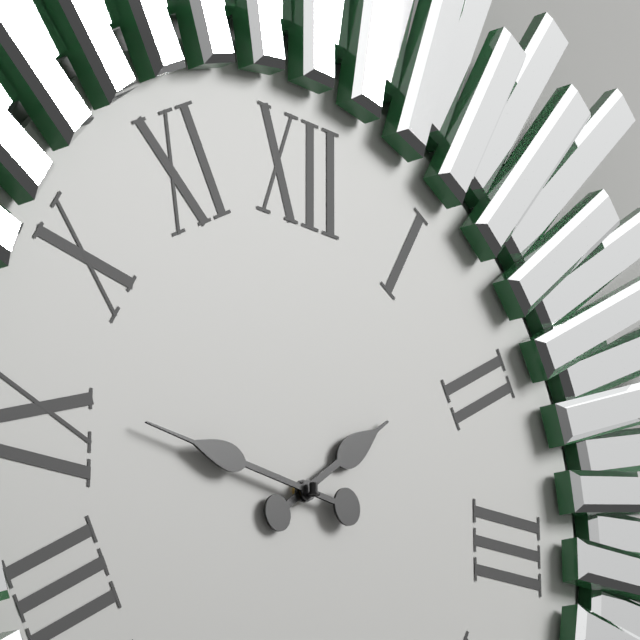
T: 1:46
